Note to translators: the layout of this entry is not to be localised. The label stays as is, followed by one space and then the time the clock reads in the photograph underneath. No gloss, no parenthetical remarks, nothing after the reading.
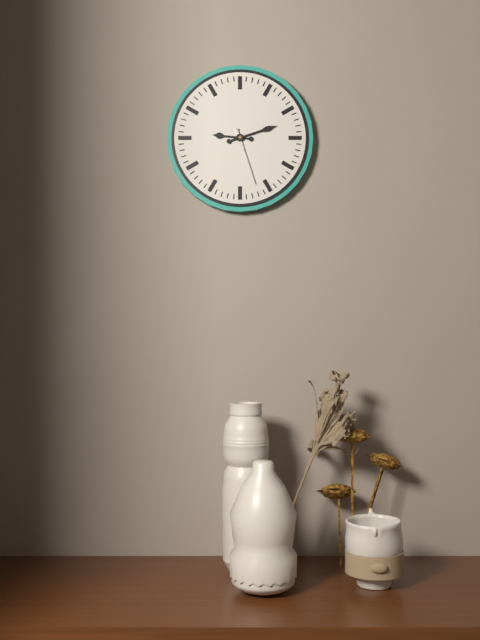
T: 9:12:27
